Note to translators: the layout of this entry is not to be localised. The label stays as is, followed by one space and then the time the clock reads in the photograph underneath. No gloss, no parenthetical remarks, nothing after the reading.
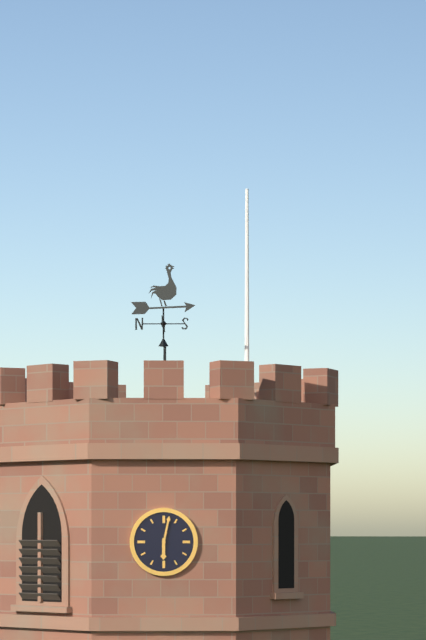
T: 6:02
